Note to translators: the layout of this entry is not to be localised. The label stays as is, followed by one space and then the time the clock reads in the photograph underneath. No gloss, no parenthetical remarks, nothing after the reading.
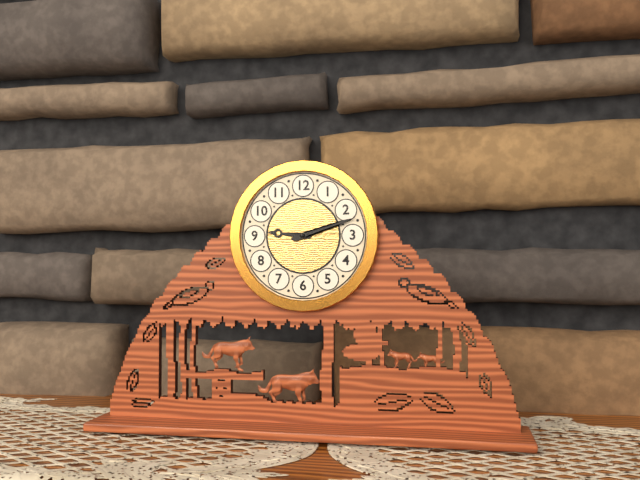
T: 9:12
